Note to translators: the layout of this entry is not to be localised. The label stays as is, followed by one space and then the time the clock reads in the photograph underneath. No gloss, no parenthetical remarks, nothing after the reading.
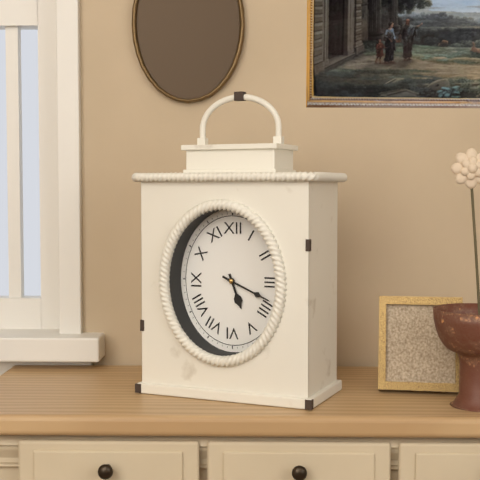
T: 5:19
